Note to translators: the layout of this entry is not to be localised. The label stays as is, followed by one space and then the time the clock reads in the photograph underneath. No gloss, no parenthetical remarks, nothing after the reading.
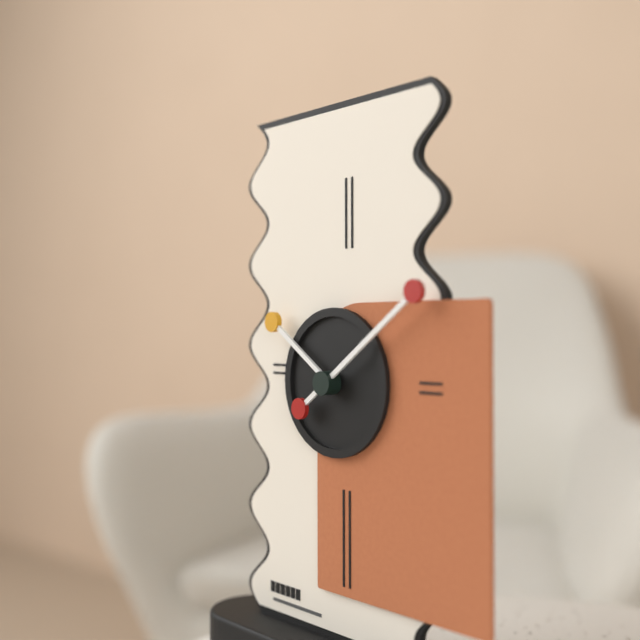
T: 10:09
